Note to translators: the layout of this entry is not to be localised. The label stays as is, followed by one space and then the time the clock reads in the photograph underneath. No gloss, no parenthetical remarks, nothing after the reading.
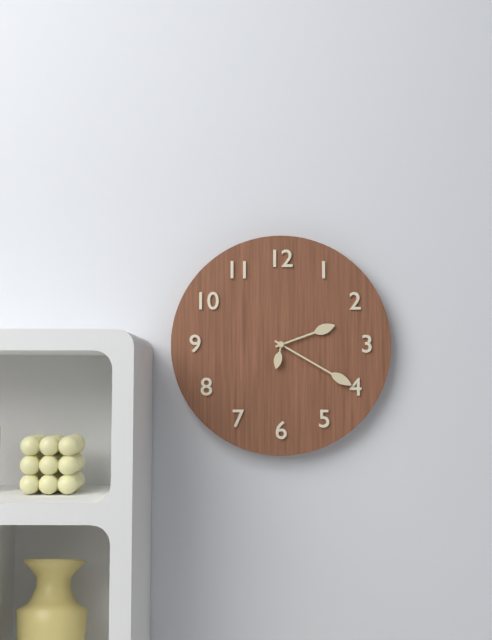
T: 2:20
